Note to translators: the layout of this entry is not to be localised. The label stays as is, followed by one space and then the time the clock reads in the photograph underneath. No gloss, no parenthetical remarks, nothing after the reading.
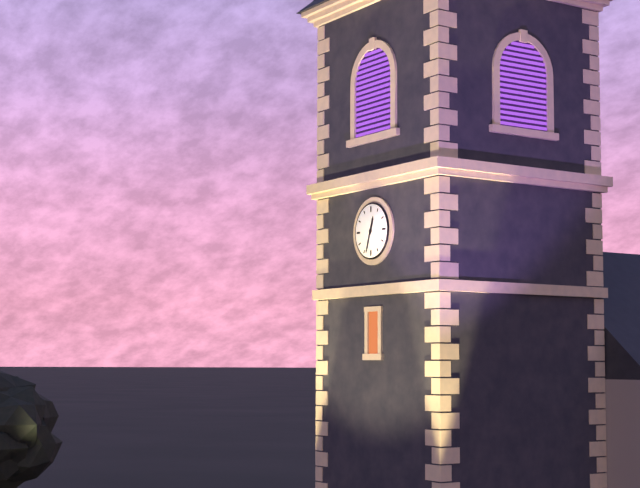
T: 12:33
